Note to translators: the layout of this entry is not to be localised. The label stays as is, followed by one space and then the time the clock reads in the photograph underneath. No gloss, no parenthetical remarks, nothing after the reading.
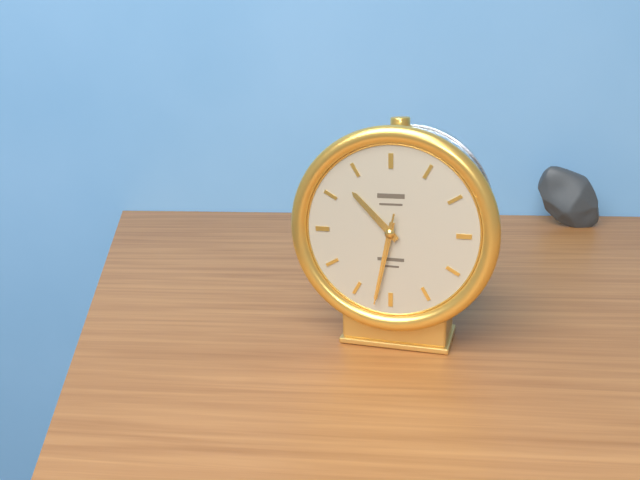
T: 10:32:32
